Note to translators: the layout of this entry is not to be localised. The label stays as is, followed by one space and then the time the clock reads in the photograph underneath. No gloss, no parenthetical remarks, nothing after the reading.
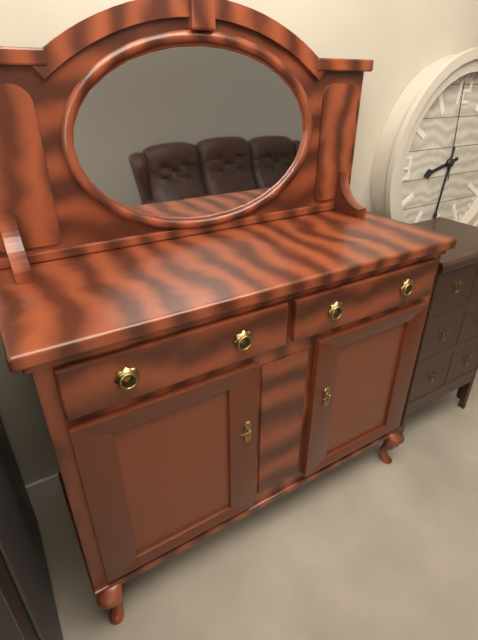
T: 8:31:59
